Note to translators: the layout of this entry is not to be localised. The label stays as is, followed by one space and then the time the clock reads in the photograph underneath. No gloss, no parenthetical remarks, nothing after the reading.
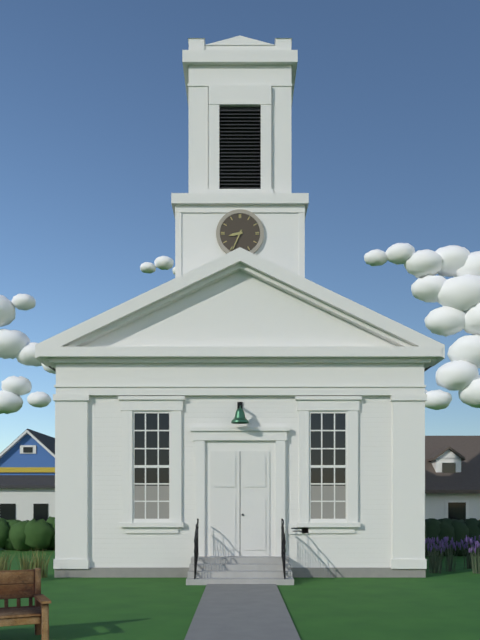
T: 8:34
